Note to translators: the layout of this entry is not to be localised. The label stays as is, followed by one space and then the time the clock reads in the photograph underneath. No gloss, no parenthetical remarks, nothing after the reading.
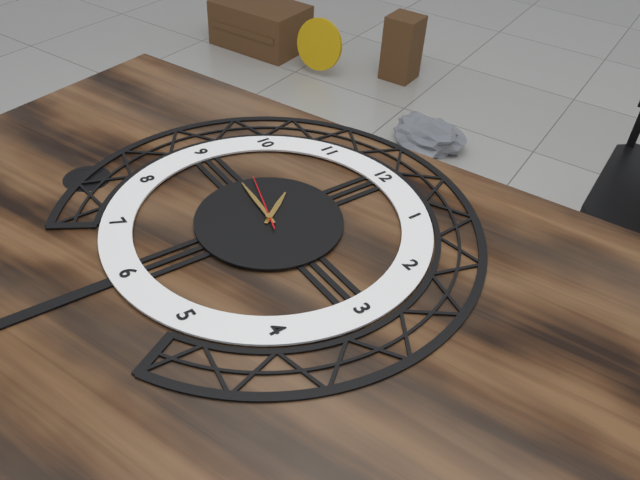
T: 10:46:48
